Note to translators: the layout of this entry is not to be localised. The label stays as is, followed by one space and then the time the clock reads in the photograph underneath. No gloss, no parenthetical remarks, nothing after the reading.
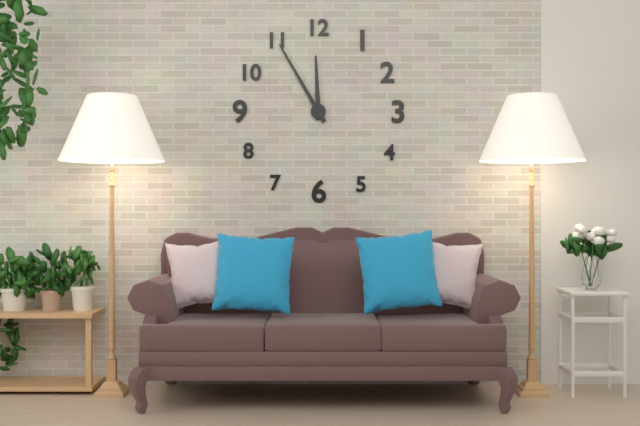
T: 11:55
